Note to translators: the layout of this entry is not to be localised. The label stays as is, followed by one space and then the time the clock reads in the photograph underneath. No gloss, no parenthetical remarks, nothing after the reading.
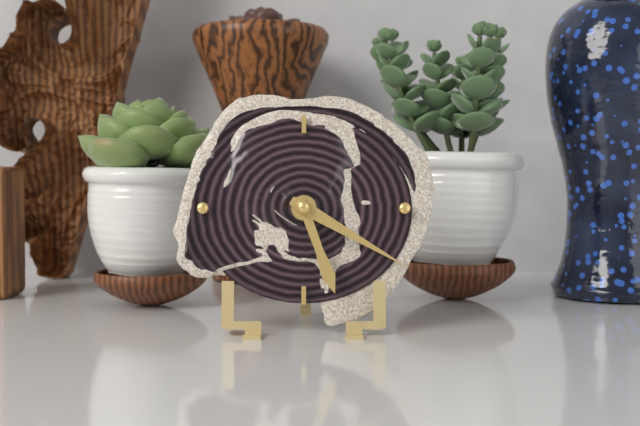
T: 5:20
